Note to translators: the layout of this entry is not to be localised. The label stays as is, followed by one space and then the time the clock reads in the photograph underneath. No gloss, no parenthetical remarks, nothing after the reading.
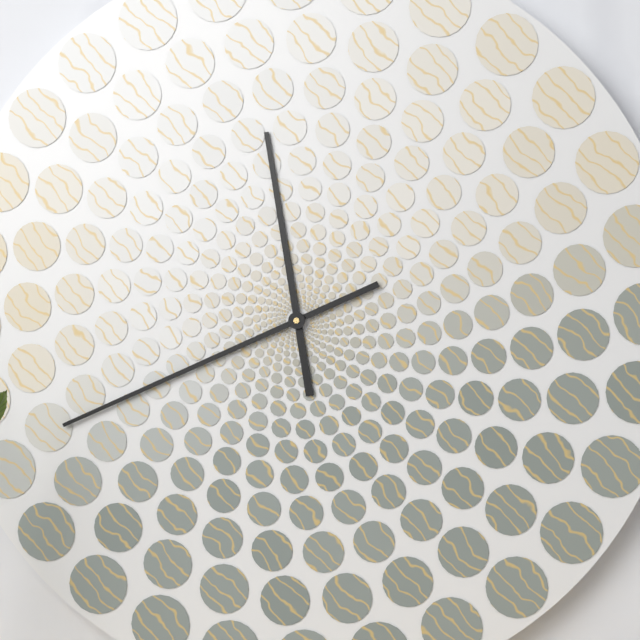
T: 11:41
